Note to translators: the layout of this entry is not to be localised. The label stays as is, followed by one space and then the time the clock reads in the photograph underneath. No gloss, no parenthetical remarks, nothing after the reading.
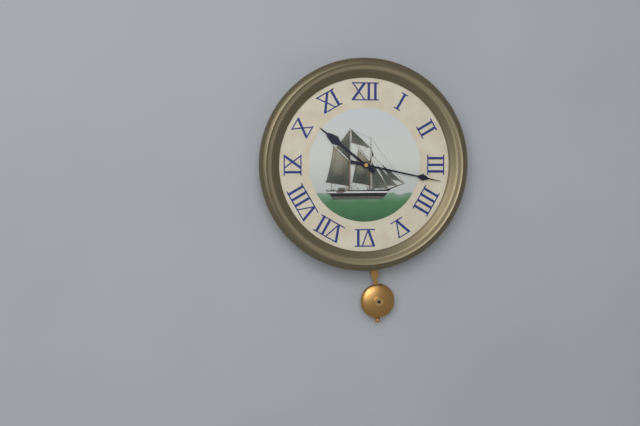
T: 10:17
